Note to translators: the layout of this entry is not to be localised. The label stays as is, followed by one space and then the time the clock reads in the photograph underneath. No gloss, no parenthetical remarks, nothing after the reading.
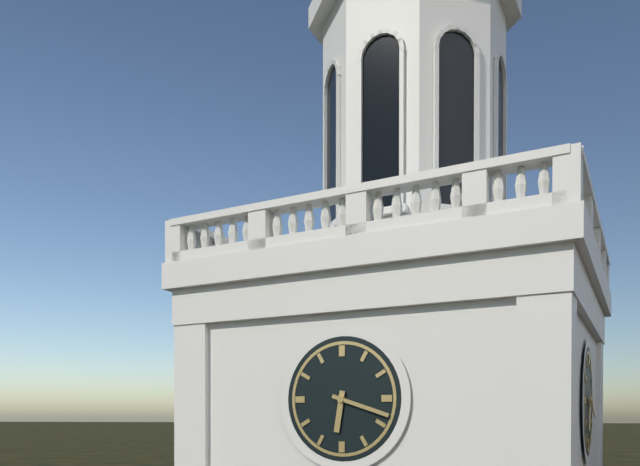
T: 6:18
